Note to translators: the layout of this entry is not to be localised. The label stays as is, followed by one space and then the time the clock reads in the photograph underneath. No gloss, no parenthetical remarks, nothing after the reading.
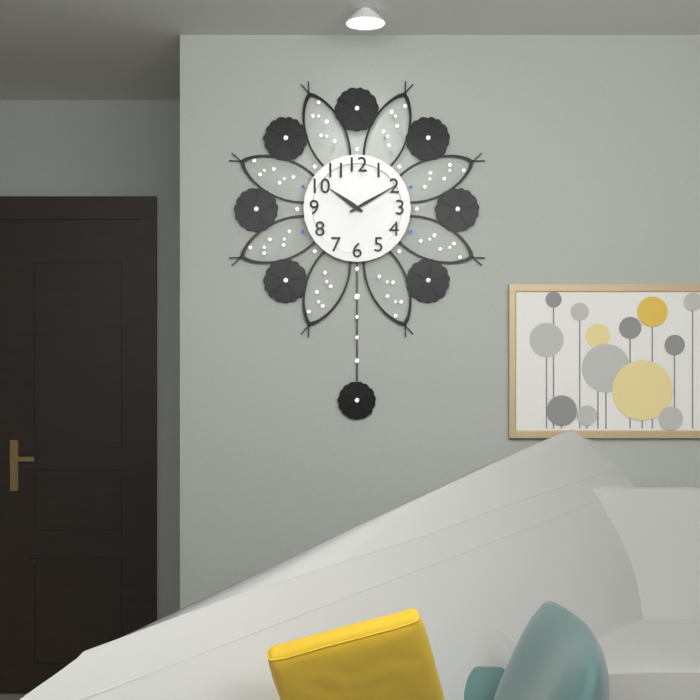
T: 10:10
